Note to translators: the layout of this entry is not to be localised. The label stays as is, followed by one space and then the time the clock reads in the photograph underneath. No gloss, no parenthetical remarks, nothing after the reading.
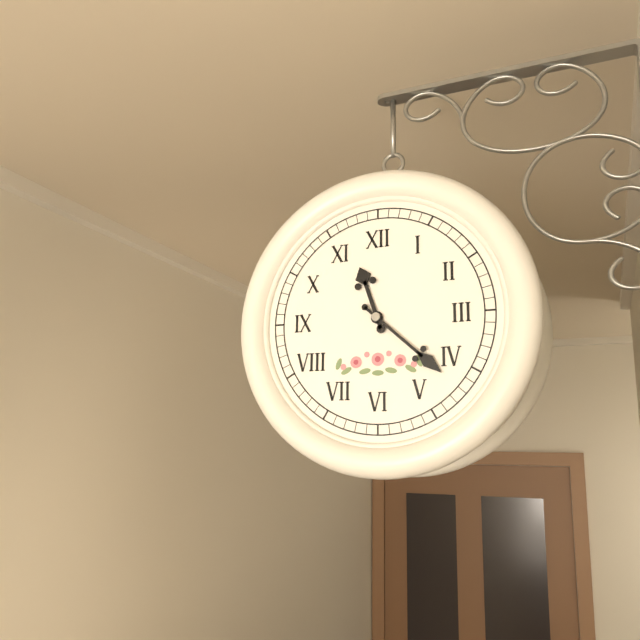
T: 11:22
